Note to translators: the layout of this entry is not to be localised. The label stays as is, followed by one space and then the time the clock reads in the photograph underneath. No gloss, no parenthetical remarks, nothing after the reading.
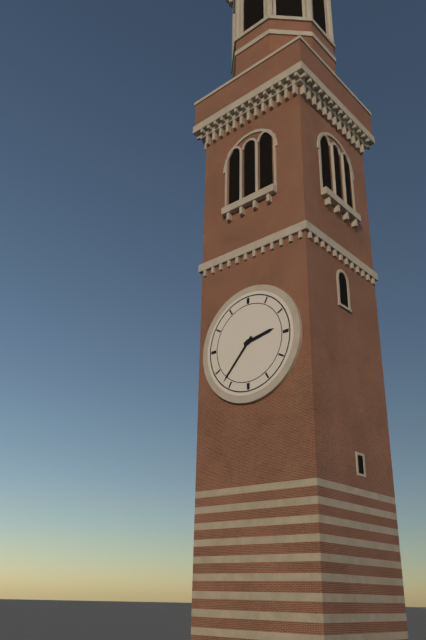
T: 2:37
